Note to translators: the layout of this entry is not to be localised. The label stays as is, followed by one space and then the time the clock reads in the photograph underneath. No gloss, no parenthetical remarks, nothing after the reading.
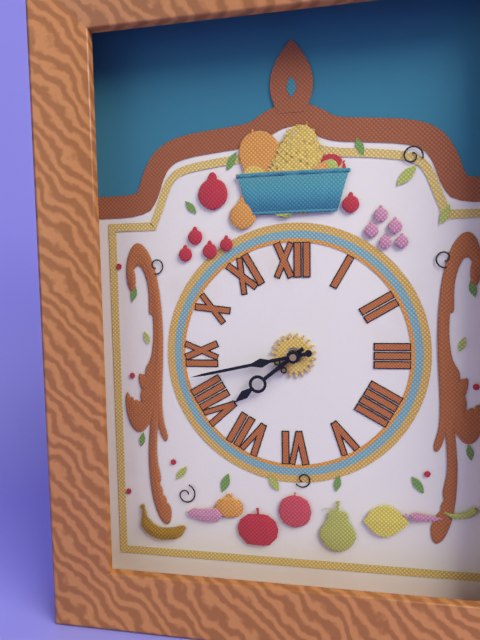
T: 7:43
